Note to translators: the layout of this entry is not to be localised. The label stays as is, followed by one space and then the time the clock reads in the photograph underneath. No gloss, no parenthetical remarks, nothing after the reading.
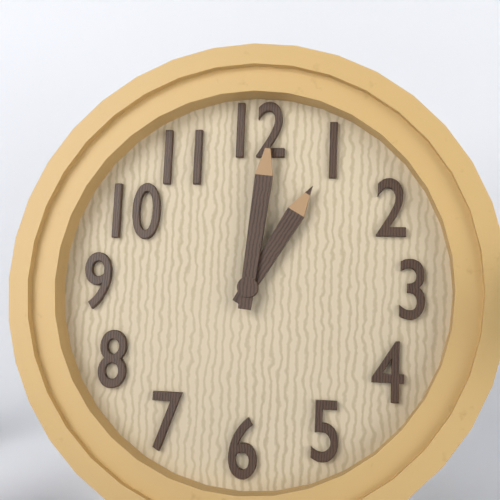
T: 1:01
